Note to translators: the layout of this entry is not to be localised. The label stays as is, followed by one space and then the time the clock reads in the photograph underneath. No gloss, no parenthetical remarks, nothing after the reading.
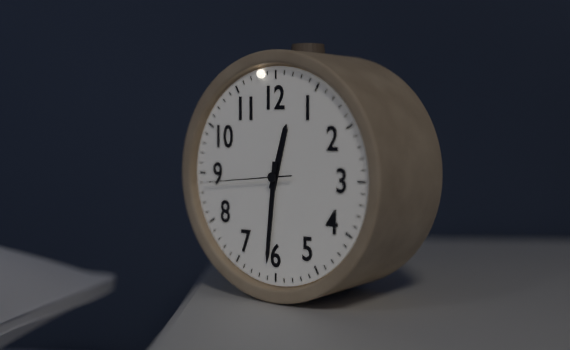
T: 12:31:44
